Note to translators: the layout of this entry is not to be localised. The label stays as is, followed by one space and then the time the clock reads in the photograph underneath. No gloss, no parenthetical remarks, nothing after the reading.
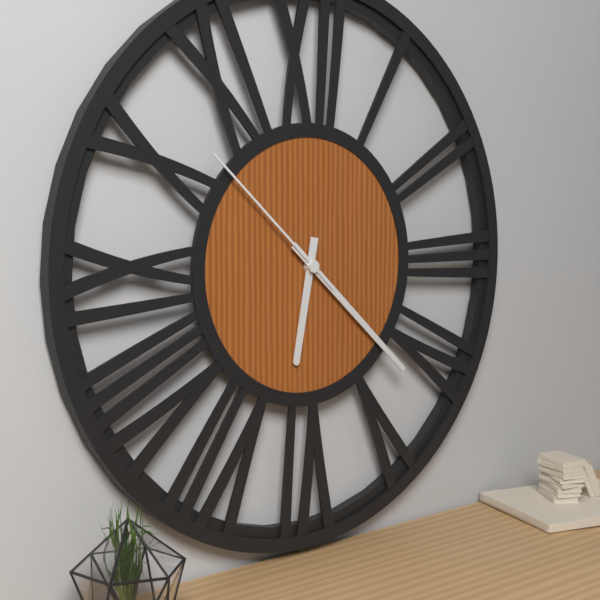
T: 6:22:52
